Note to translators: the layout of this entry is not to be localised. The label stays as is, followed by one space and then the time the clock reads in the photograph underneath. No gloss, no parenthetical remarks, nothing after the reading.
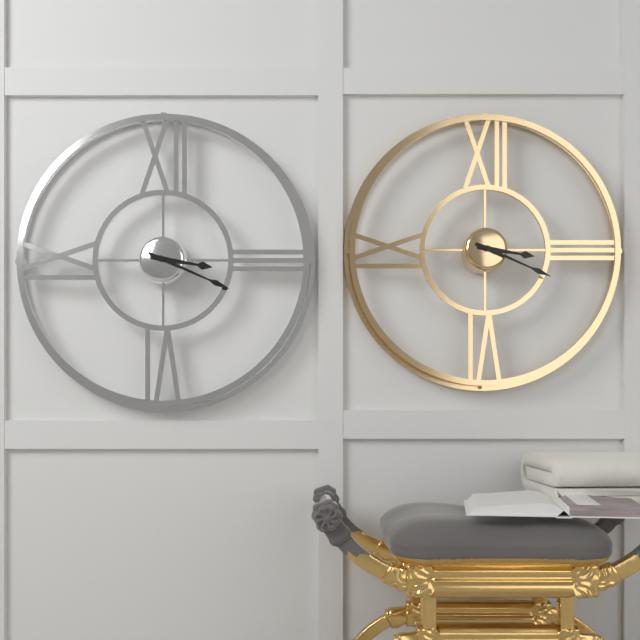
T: 3:19
